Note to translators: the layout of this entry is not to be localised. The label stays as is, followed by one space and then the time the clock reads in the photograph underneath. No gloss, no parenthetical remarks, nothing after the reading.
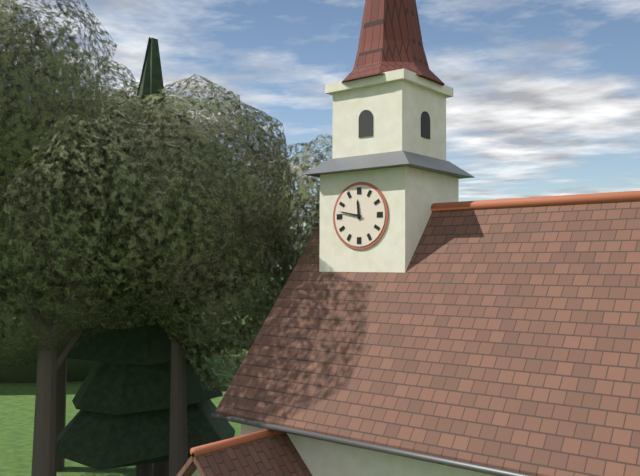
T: 11:47
